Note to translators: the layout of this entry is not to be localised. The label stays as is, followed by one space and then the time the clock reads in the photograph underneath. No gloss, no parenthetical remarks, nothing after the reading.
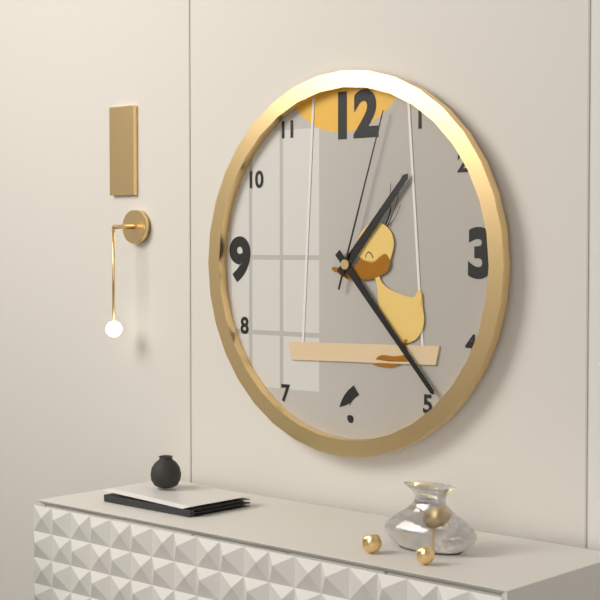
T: 1:23:03
